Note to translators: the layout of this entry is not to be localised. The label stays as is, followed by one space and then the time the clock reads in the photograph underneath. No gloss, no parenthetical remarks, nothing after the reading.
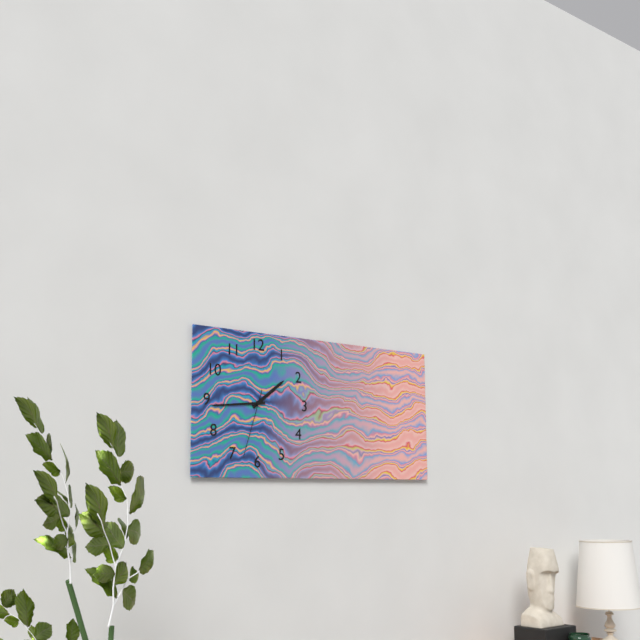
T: 1:44:33
